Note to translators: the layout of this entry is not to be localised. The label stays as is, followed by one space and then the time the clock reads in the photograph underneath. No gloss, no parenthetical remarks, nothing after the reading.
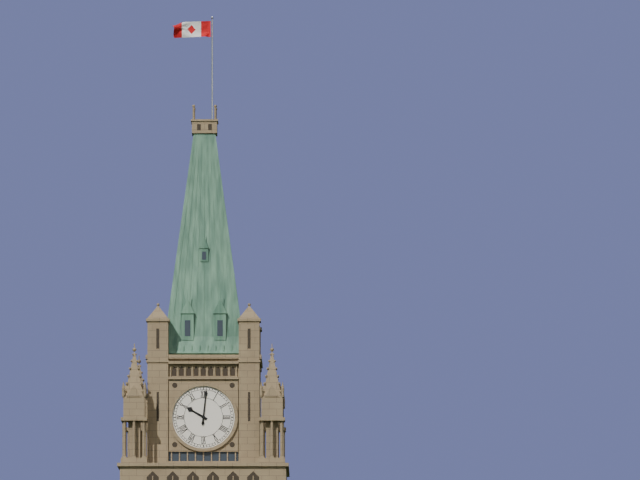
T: 10:01
